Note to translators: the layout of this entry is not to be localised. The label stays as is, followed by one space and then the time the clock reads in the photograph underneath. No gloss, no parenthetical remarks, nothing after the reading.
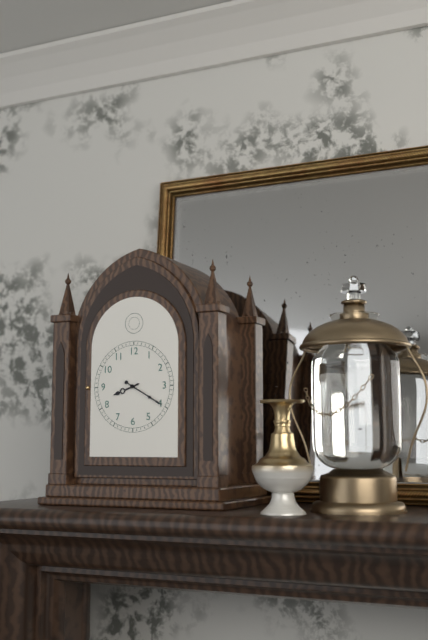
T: 8:20
